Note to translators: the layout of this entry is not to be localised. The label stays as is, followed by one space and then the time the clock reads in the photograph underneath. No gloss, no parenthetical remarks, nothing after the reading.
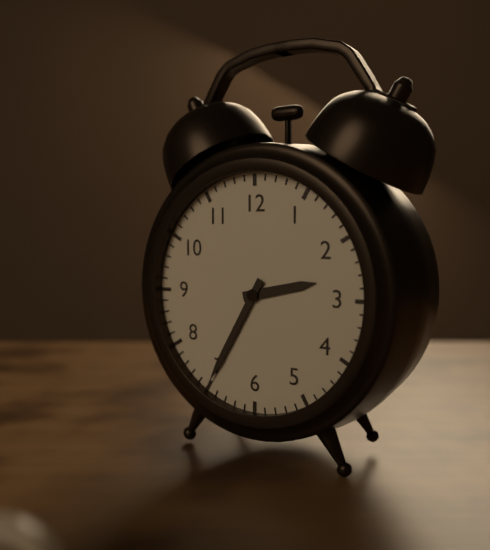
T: 2:35
